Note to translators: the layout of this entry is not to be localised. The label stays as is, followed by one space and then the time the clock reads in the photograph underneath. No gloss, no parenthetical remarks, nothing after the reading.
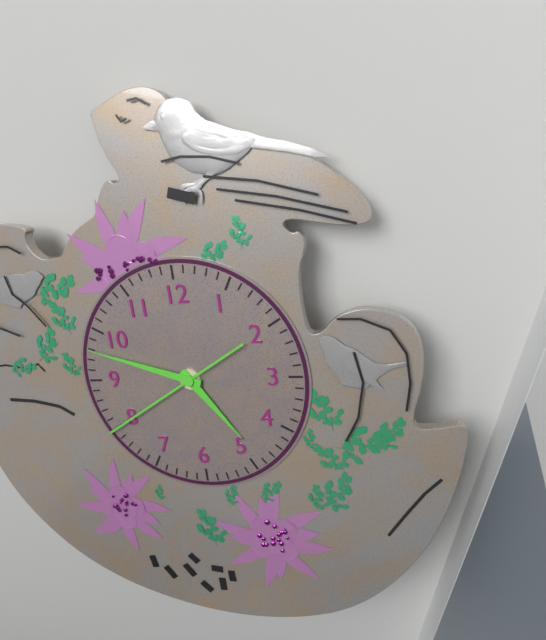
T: 4:48:40
